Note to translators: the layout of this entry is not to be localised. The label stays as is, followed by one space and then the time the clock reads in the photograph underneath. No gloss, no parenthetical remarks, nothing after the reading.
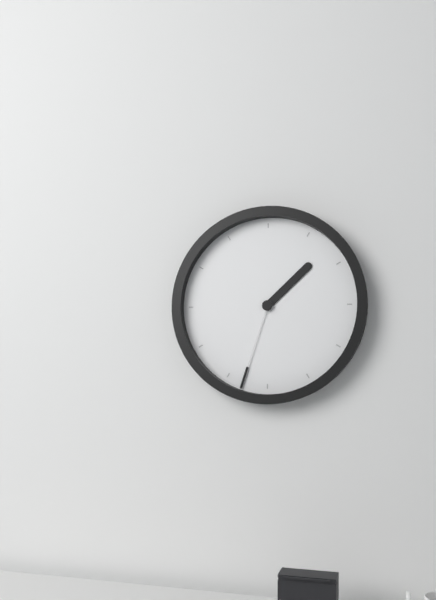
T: 1:33
